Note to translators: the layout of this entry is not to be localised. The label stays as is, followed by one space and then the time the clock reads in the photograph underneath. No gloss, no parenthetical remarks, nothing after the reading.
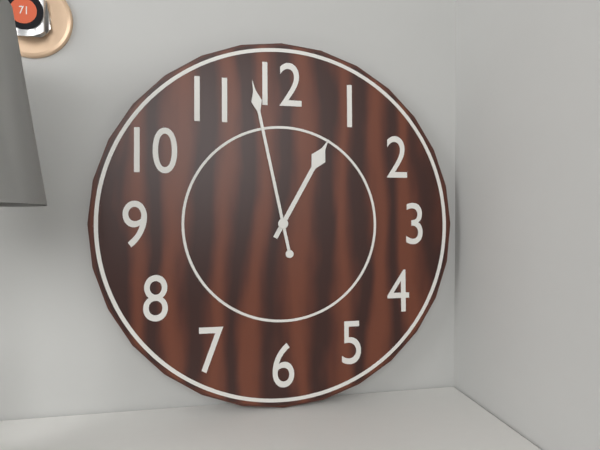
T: 12:58
